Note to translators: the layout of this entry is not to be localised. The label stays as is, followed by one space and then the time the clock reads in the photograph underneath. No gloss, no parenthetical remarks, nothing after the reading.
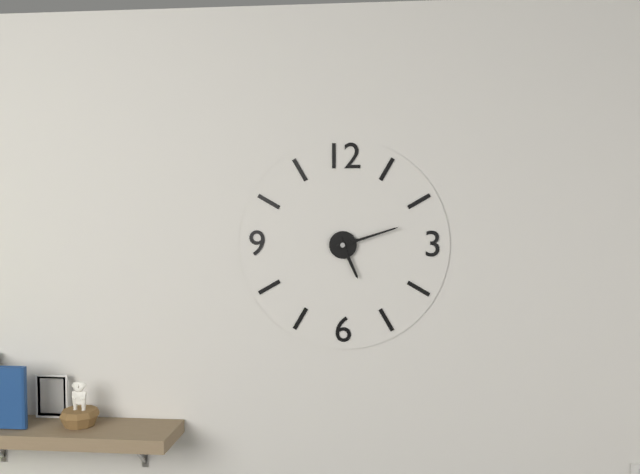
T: 5:12
